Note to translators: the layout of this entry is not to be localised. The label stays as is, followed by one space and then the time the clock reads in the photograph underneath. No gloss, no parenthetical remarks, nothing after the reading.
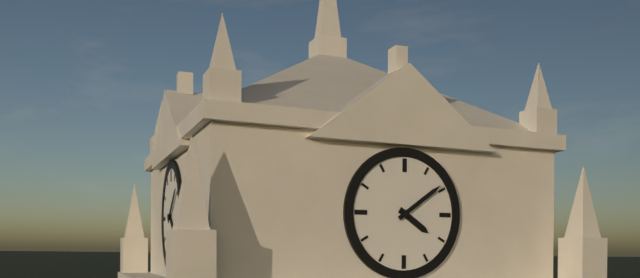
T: 4:09
